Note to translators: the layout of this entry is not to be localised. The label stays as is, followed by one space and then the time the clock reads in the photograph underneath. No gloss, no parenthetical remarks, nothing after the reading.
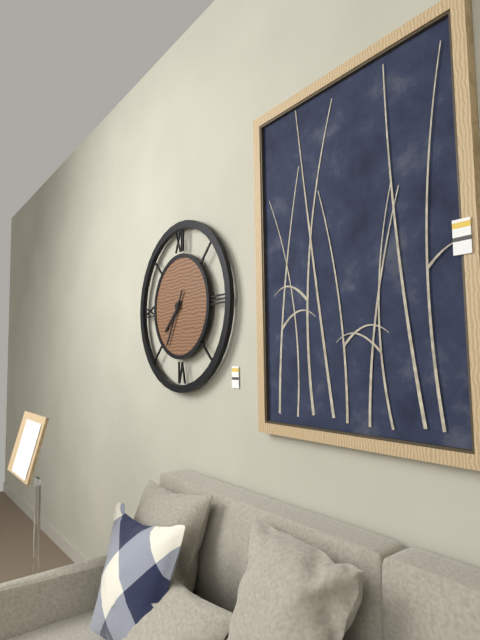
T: 7:35
